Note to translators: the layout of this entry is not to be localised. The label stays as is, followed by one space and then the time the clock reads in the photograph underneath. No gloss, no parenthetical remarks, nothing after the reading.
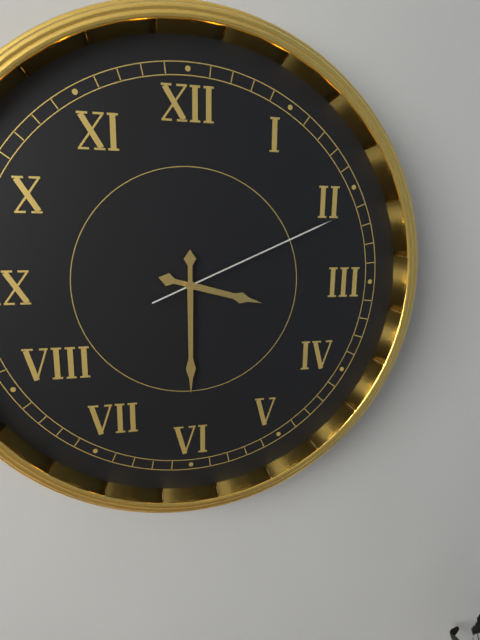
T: 3:30:11
